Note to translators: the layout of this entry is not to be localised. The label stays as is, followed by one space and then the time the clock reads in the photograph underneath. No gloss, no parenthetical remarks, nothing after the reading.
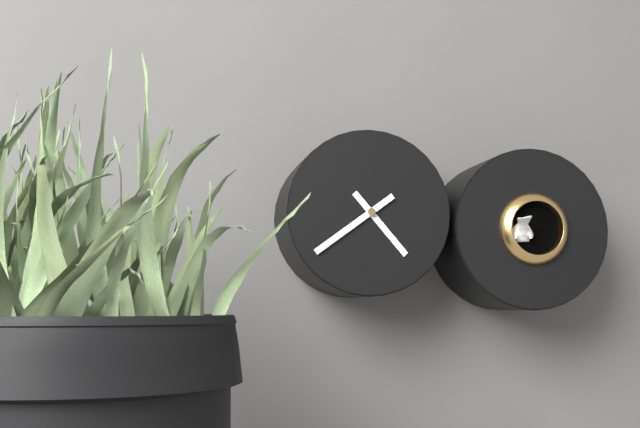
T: 4:39
